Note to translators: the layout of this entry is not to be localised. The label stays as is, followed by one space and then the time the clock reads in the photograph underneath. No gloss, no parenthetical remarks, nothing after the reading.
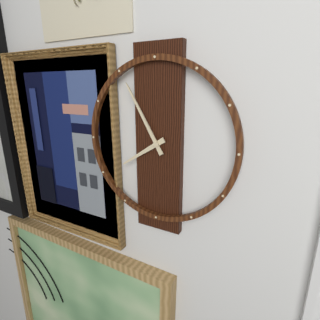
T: 7:55
